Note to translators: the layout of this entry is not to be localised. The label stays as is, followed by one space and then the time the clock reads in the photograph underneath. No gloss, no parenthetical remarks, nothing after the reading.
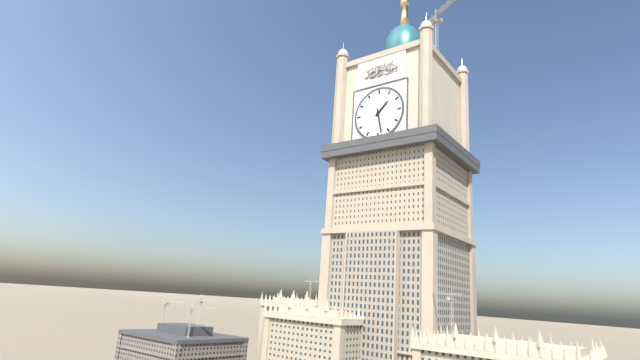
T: 1:28
